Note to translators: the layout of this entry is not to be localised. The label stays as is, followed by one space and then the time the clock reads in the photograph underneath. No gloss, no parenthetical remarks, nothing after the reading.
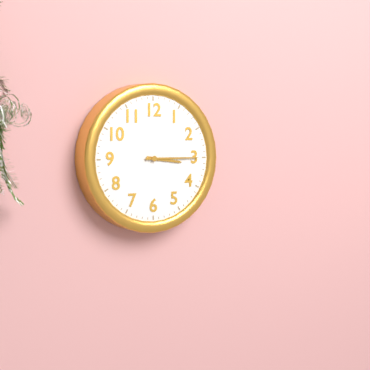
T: 3:15
